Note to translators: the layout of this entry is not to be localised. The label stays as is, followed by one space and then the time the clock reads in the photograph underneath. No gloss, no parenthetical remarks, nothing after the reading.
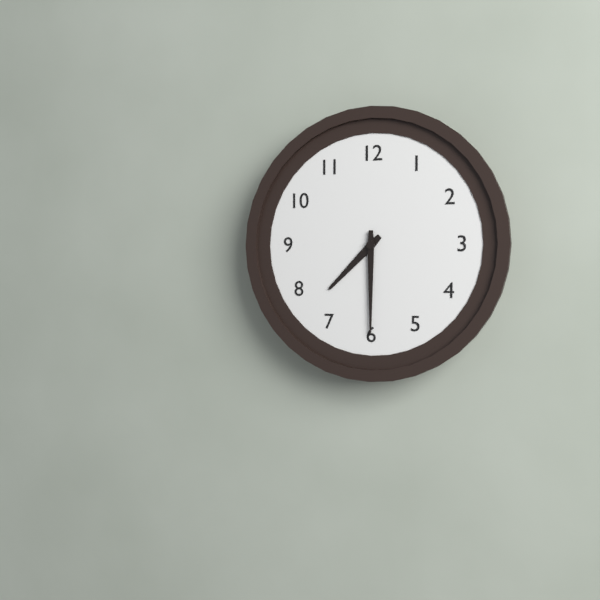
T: 7:30
